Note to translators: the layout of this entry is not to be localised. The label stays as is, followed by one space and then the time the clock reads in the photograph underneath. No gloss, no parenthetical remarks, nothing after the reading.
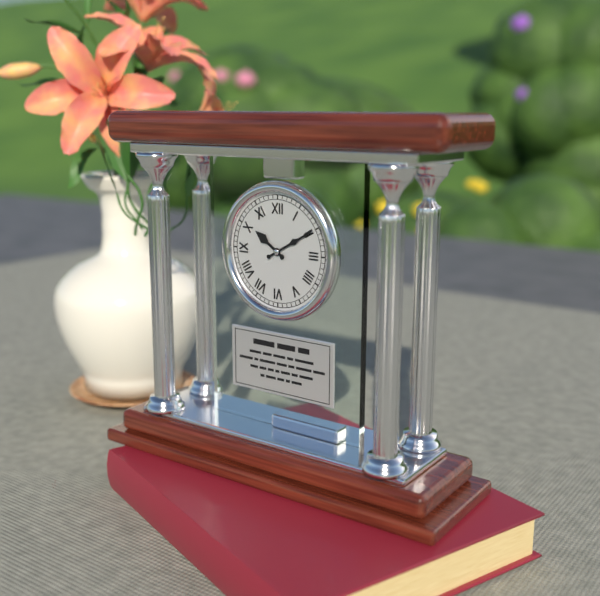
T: 10:10
